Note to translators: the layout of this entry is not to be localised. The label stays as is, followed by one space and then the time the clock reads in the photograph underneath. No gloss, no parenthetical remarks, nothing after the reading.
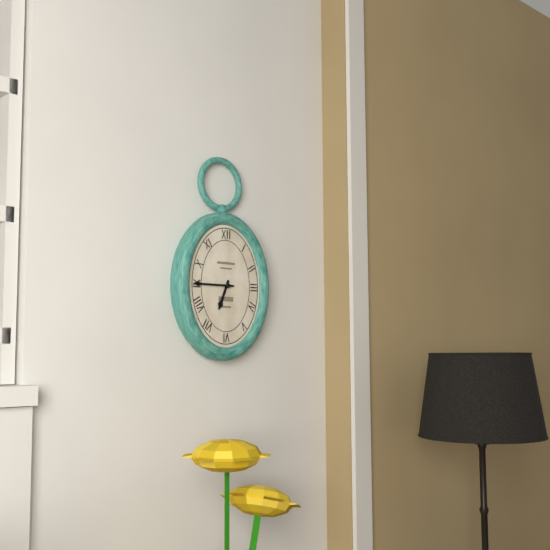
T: 6:45
